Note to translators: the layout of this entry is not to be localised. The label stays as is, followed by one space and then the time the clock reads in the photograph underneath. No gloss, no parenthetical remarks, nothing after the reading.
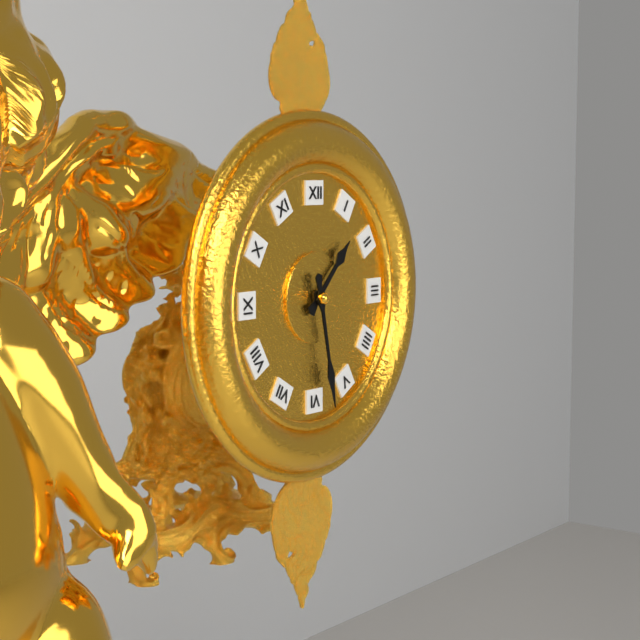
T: 1:28
